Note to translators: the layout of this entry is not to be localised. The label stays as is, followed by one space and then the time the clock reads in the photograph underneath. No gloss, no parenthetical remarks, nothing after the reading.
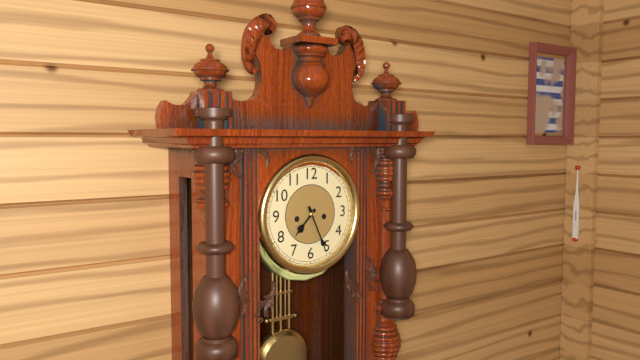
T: 7:26
